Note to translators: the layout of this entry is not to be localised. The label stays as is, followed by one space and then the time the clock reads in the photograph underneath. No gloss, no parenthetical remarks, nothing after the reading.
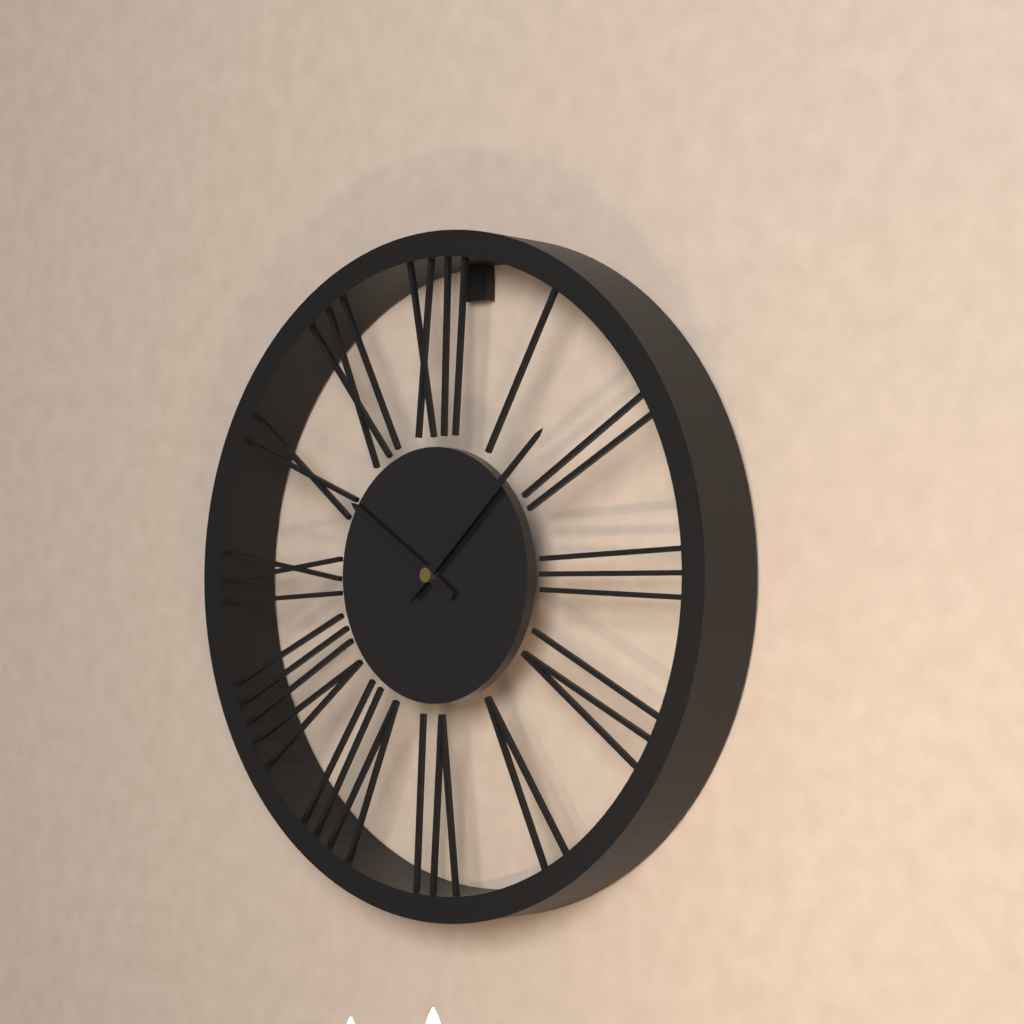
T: 10:08
